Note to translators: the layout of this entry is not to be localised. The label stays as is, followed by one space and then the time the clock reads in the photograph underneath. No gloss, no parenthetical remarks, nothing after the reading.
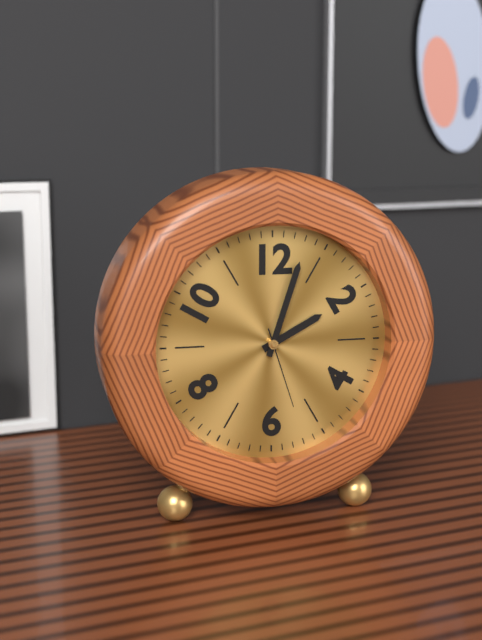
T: 2:03:27
